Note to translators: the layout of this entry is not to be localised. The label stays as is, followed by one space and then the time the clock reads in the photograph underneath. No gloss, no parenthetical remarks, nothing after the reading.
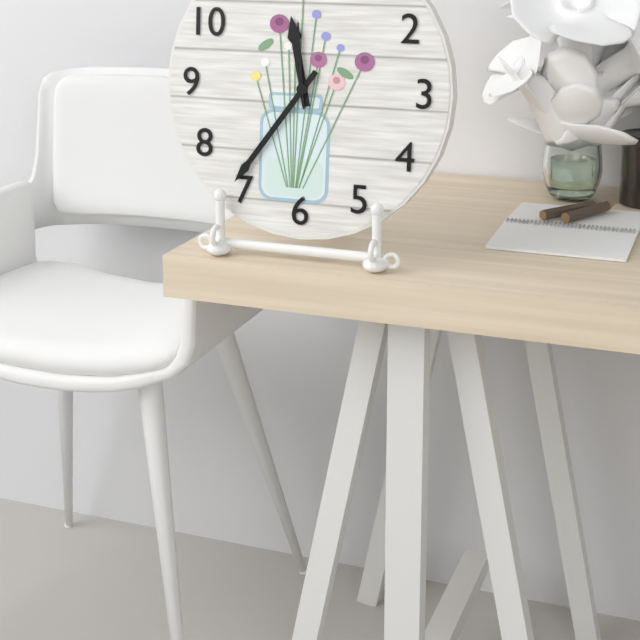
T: 11:36:59
